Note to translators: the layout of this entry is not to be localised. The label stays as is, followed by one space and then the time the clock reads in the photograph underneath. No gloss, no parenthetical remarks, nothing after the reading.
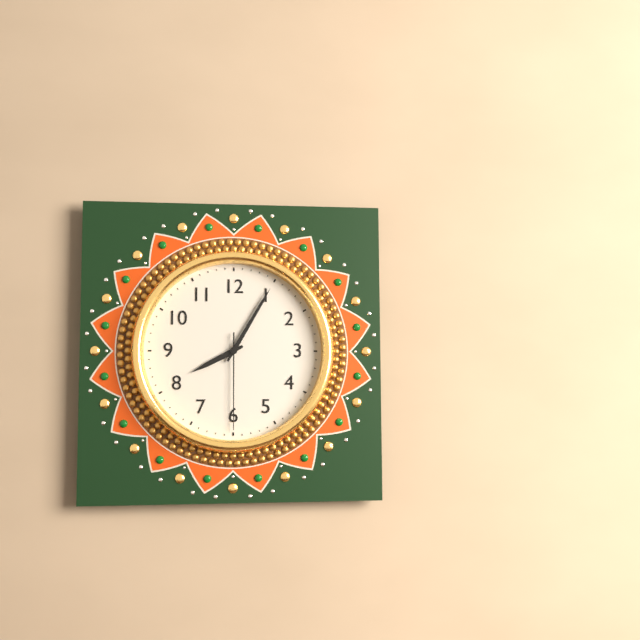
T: 8:05:30
